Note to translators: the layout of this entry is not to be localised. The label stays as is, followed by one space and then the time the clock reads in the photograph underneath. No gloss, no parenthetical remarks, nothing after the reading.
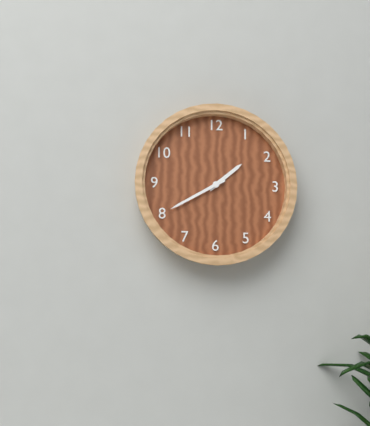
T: 1:40
